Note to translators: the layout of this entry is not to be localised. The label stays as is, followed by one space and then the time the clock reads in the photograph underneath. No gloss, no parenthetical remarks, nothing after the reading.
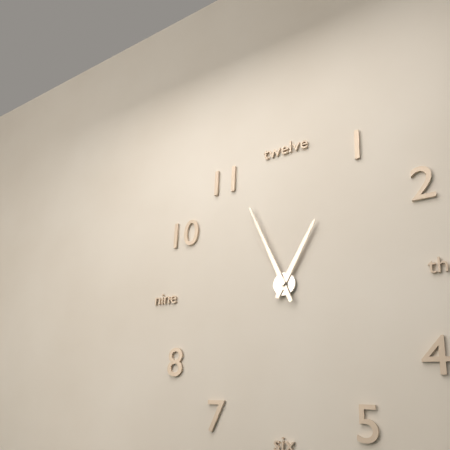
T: 12:56
